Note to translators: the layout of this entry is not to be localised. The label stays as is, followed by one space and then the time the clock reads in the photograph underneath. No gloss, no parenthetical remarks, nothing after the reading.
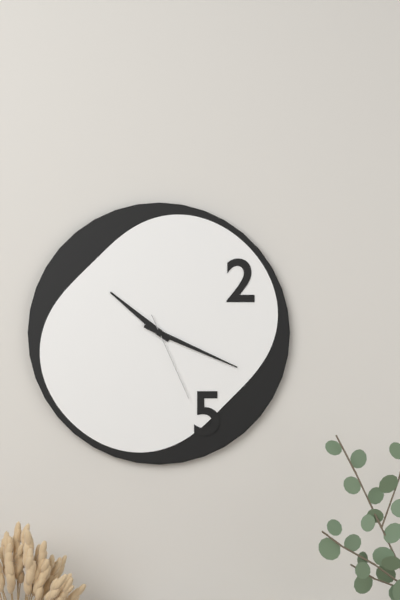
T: 10:19:26
